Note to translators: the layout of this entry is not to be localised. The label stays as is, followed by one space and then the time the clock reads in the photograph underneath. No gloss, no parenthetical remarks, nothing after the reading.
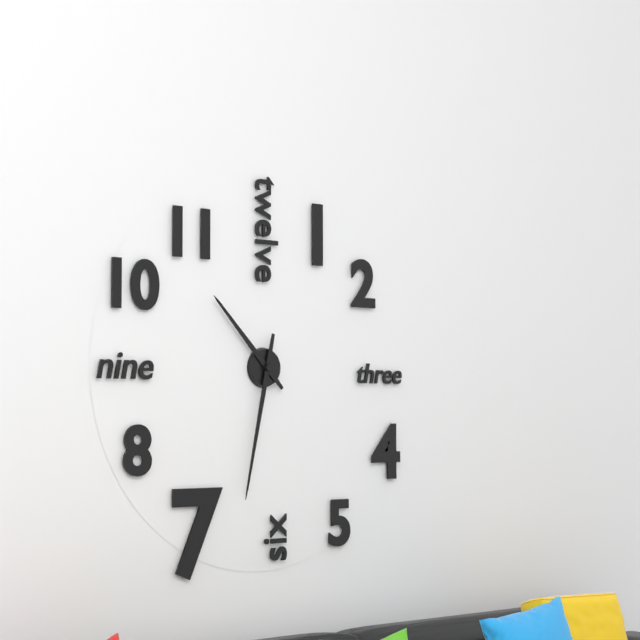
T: 10:32
